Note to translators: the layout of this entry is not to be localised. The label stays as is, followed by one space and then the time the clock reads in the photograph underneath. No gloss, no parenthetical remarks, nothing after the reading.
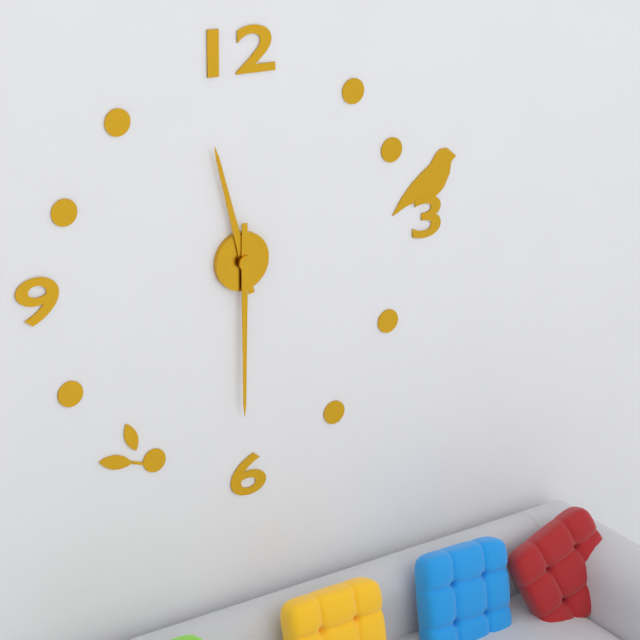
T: 11:30
